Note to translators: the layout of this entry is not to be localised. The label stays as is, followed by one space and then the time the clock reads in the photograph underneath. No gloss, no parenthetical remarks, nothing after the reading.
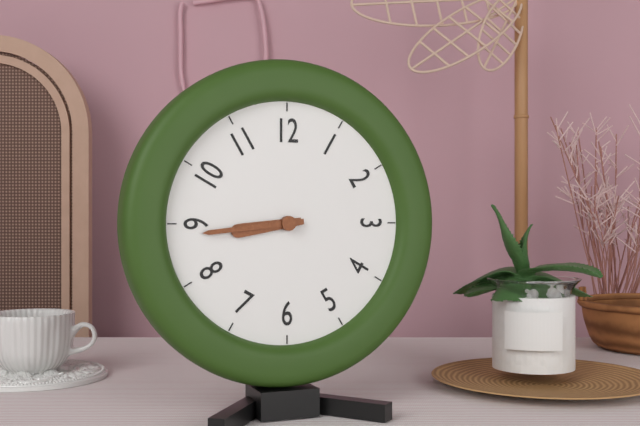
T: 8:44
